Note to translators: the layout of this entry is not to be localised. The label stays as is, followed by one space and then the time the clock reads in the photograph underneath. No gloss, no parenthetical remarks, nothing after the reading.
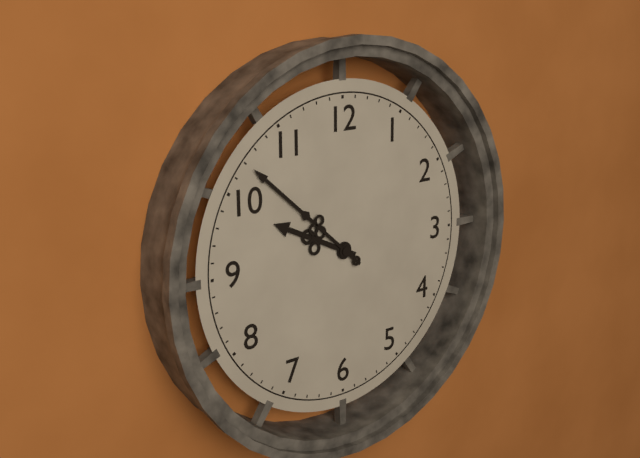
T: 9:52
